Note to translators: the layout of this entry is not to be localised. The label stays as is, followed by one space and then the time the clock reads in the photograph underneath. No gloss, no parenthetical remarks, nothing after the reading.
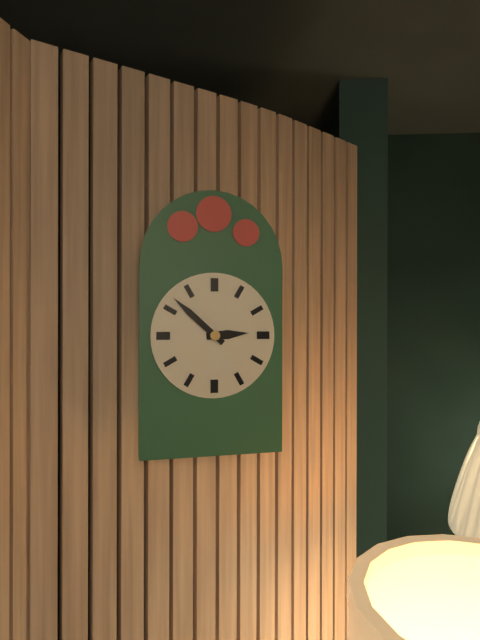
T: 2:52
